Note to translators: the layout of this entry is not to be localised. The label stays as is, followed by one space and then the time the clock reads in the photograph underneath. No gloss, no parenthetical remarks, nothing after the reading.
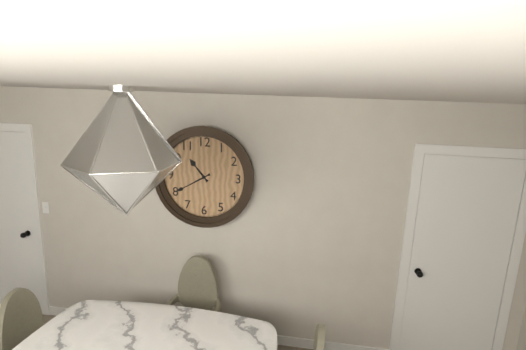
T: 10:40
